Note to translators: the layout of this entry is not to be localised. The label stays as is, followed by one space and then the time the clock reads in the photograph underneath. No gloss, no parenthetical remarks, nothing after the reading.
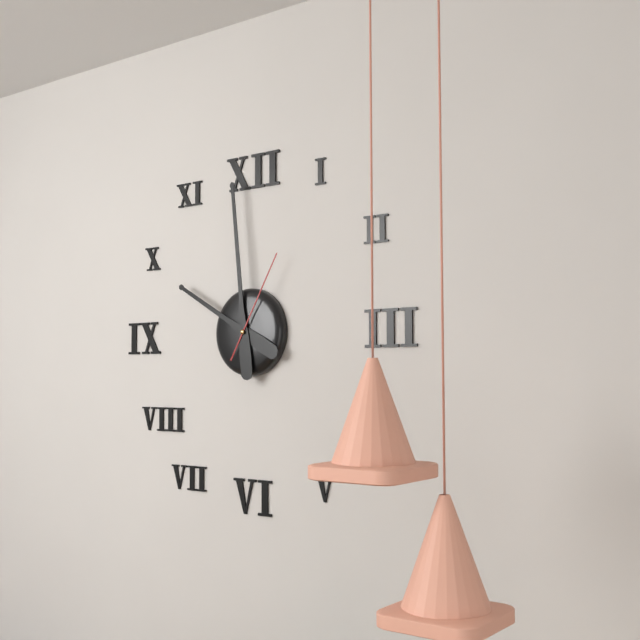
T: 9:59:05
